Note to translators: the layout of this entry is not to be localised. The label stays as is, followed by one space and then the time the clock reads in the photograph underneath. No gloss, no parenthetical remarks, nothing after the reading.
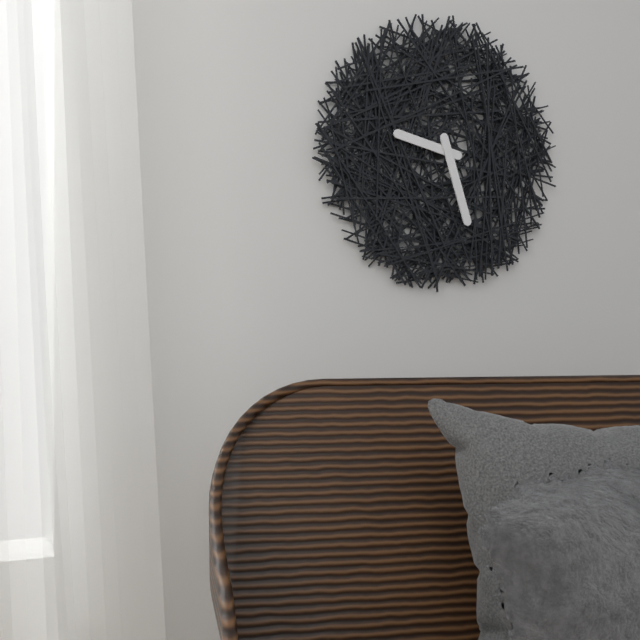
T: 9:27
